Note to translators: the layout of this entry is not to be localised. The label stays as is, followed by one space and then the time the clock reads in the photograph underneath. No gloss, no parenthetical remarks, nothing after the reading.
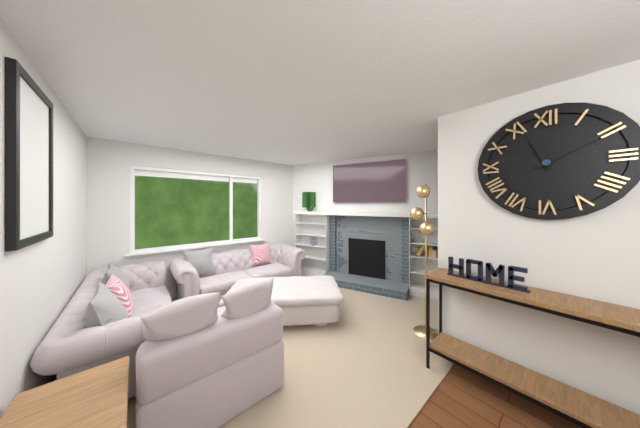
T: 11:10
